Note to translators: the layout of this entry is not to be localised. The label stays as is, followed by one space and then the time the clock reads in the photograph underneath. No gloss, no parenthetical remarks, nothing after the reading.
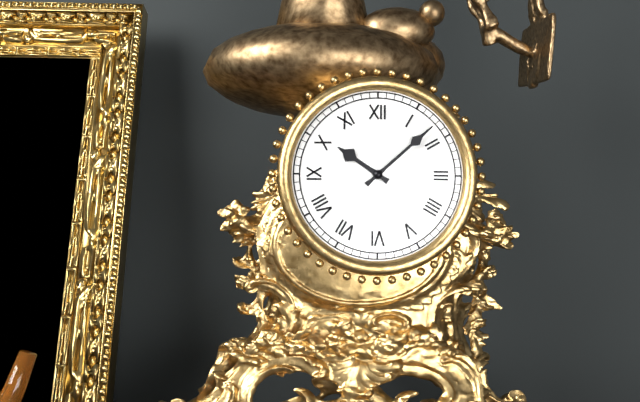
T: 10:08
